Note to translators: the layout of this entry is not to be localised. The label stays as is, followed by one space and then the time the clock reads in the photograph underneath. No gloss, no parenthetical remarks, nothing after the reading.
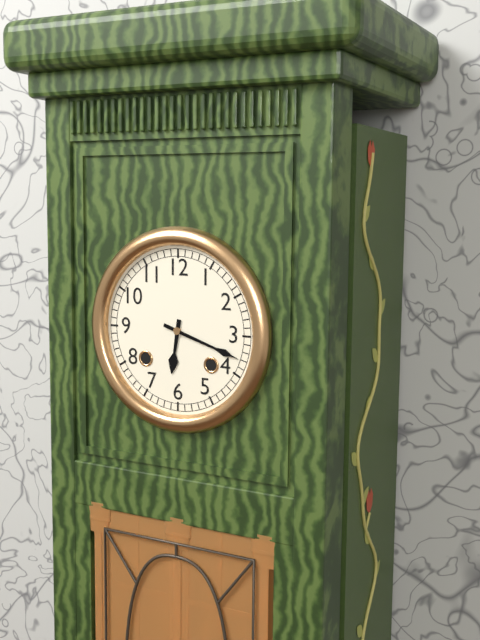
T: 6:18
